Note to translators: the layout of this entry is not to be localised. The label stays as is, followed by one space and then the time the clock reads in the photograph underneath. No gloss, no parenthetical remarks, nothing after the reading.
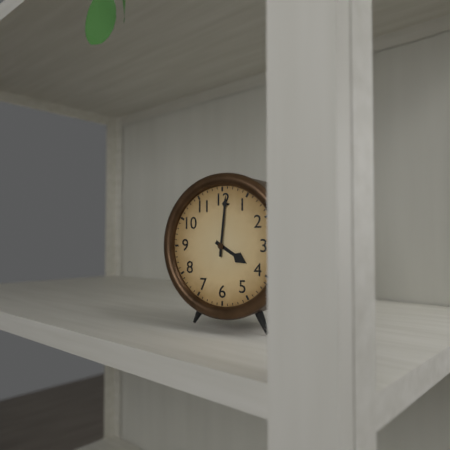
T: 4:01
